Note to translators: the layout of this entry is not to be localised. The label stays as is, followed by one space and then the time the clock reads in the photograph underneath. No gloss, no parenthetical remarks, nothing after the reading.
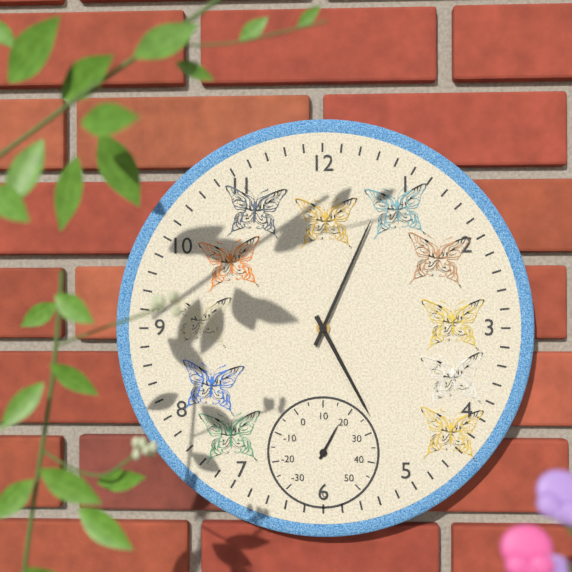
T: 5:04
